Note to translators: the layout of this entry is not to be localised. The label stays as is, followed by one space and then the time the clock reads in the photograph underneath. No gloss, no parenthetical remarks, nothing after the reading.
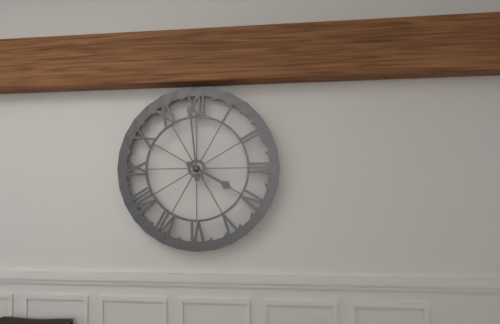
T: 3:59
